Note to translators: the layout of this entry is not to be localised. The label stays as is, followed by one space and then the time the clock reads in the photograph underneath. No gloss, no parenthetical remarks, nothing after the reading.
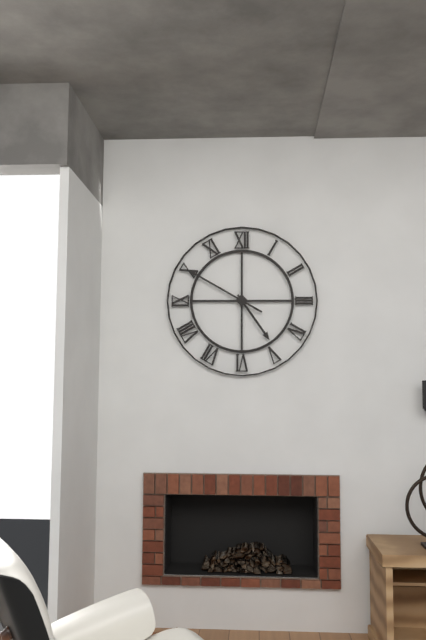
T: 4:50
